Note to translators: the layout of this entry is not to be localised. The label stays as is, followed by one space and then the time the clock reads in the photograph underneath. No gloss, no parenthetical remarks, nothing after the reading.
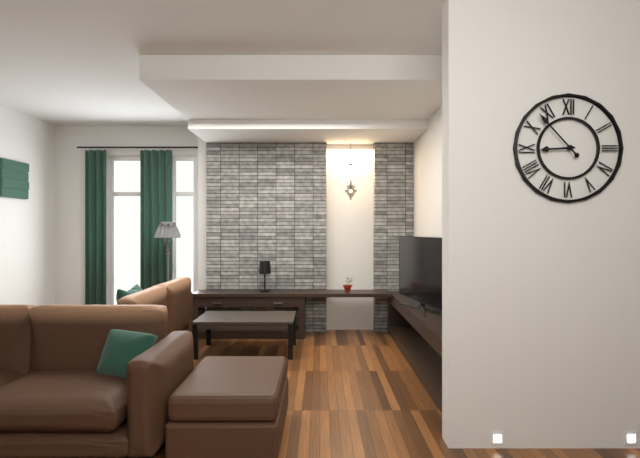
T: 8:53
